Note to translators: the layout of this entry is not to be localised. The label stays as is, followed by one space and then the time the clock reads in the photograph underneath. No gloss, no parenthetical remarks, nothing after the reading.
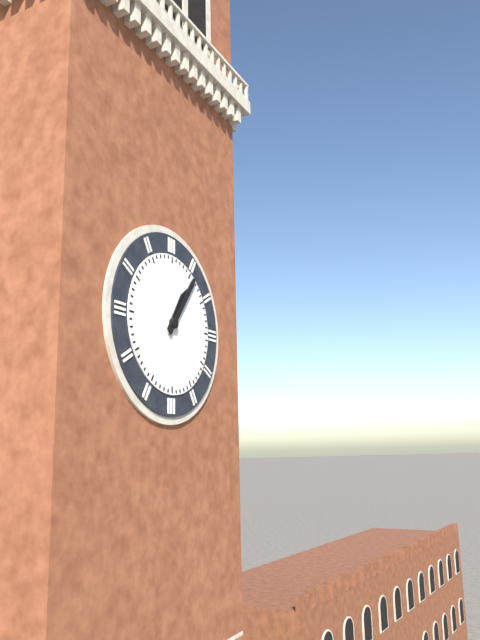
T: 1:06
